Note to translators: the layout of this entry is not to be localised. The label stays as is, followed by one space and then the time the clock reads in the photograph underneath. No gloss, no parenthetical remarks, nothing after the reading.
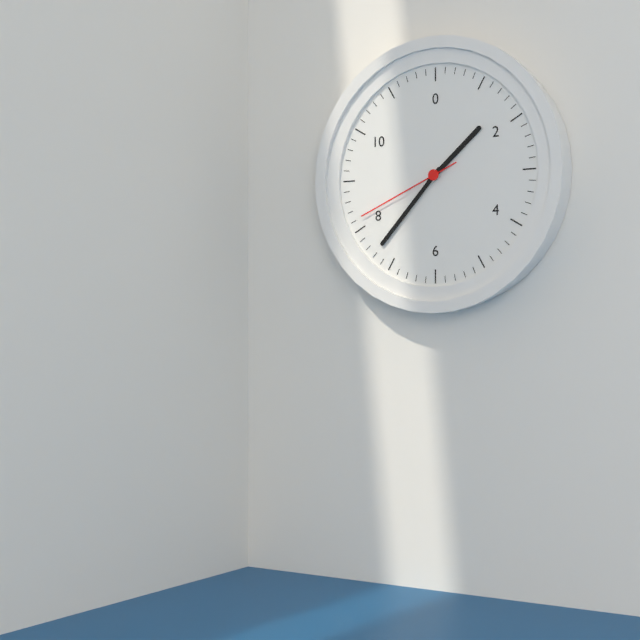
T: 1:37:41
